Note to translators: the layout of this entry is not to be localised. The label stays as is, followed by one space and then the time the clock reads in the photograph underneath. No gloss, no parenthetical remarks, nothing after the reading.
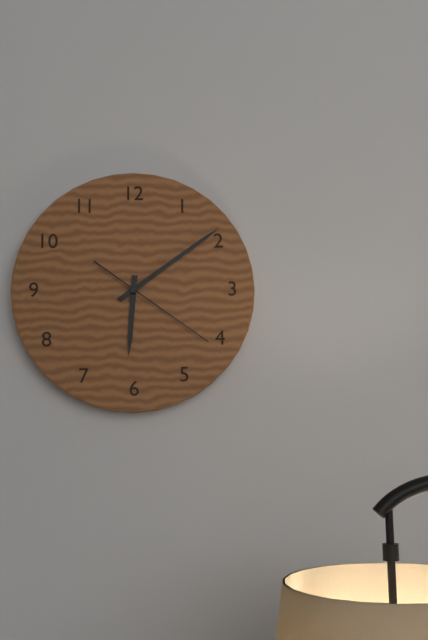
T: 6:09:21
